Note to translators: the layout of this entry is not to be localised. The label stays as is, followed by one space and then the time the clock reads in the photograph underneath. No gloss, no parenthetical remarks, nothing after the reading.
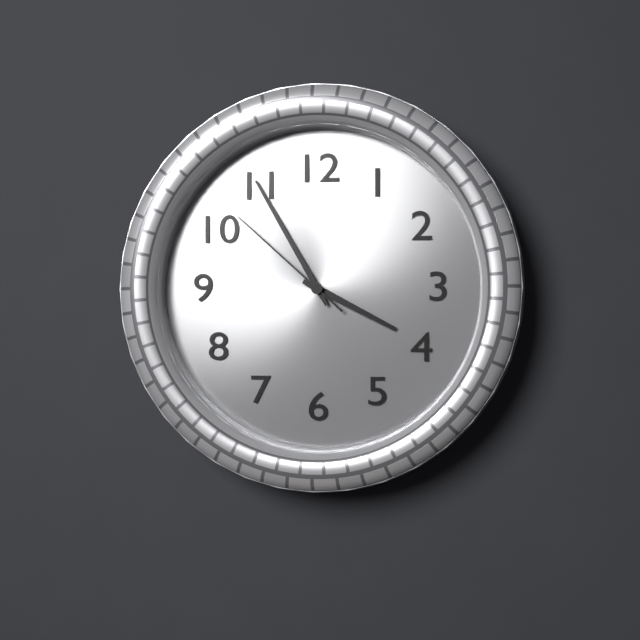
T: 3:55:52
